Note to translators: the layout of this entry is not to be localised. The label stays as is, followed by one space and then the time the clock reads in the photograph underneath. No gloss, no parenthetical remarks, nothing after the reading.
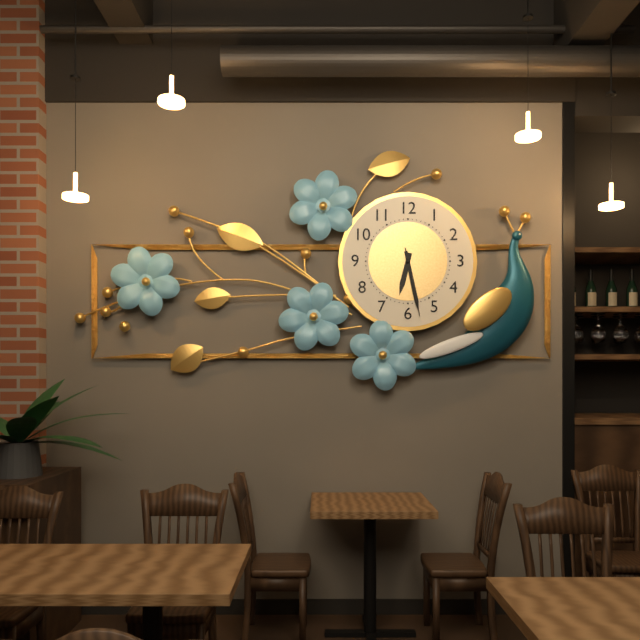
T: 6:28:28
